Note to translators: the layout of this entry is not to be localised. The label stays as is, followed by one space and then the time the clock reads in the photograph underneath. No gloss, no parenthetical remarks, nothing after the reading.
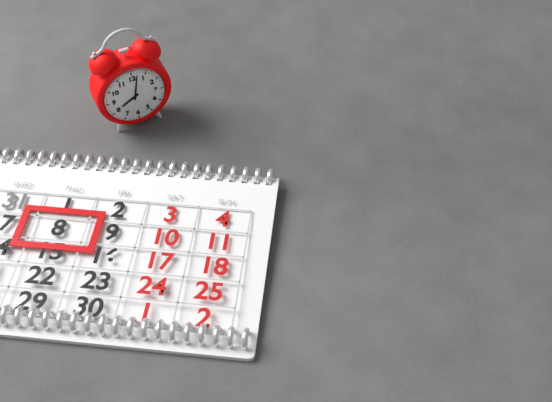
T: 8:02
